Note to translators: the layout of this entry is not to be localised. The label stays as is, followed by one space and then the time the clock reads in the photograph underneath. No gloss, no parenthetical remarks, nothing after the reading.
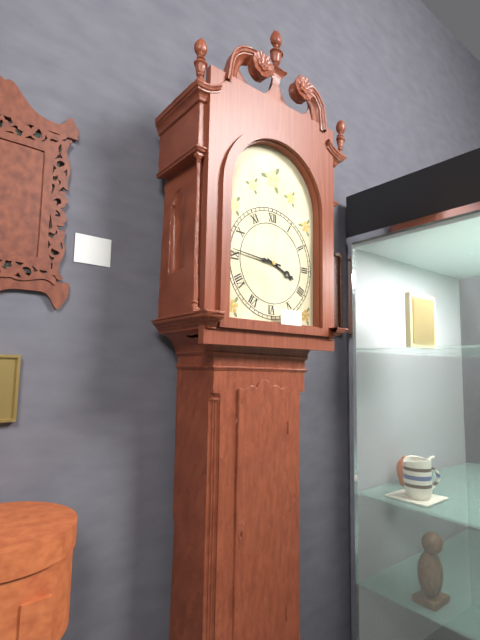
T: 3:46
